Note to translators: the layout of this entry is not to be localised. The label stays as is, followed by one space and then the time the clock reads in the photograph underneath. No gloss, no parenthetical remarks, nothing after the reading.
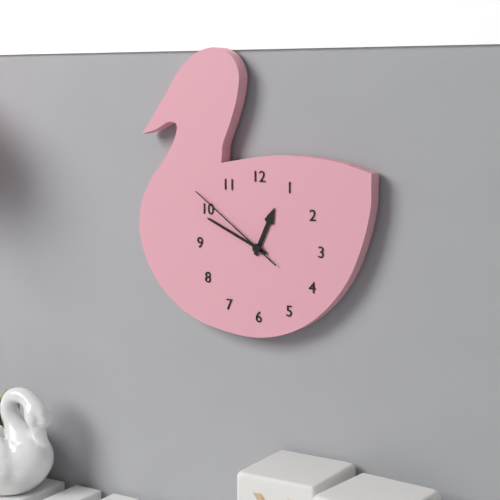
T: 12:49:51
